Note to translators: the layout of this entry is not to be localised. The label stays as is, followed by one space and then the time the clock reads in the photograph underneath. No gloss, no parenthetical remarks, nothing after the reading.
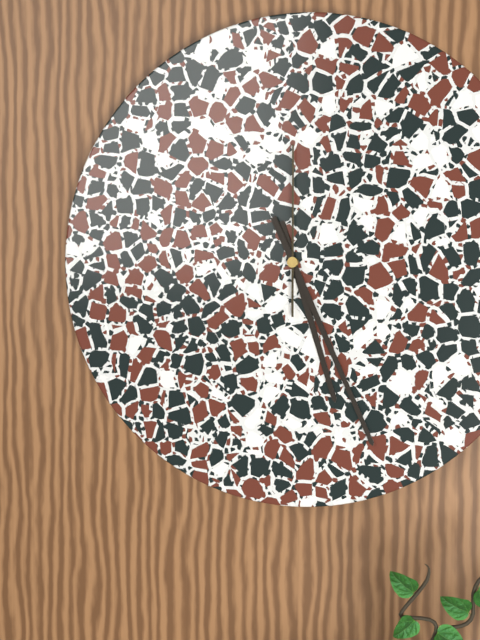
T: 5:26:00
